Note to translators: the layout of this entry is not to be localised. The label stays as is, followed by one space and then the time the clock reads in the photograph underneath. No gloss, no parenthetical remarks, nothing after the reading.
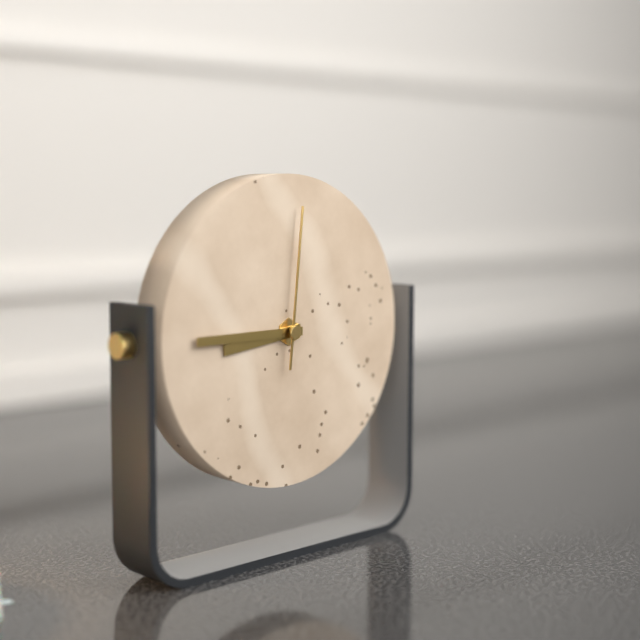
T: 8:45:01
